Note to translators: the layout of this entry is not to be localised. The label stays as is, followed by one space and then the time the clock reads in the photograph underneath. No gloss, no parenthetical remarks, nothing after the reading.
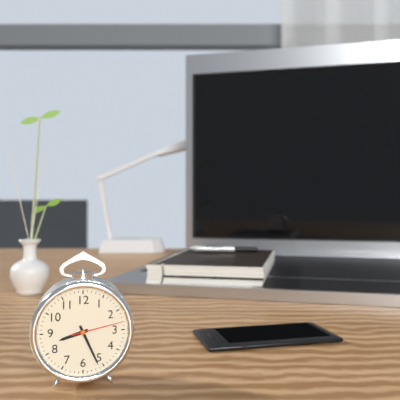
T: 8:26:13
